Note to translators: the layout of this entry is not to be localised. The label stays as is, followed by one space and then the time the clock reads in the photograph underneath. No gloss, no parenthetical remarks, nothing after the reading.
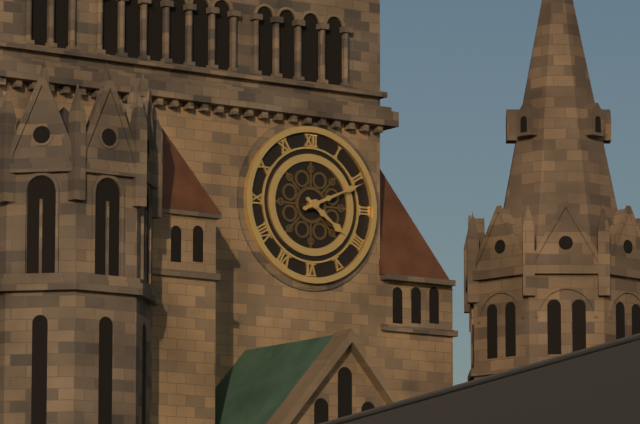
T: 4:11
